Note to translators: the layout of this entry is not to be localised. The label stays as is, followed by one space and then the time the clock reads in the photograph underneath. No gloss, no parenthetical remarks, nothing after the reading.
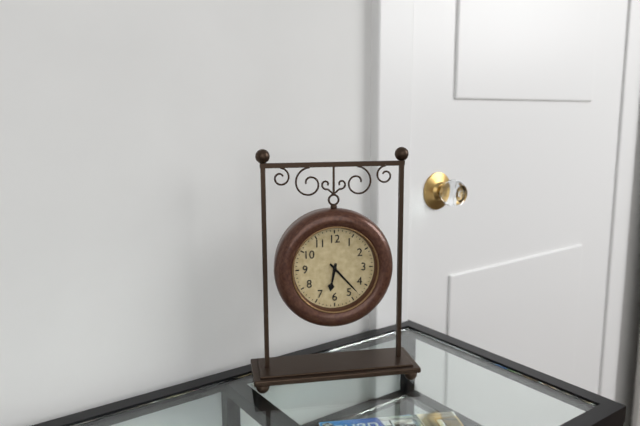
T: 6:23
